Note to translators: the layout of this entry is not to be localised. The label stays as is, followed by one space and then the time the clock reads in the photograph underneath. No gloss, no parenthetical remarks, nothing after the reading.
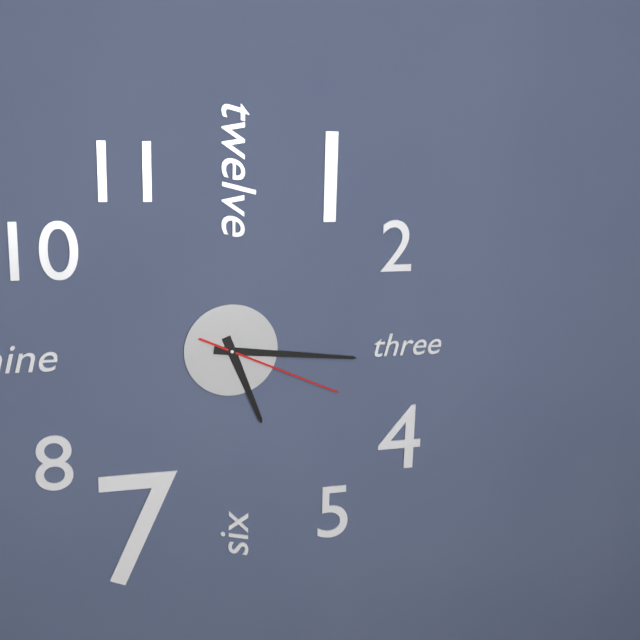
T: 5:16:19
